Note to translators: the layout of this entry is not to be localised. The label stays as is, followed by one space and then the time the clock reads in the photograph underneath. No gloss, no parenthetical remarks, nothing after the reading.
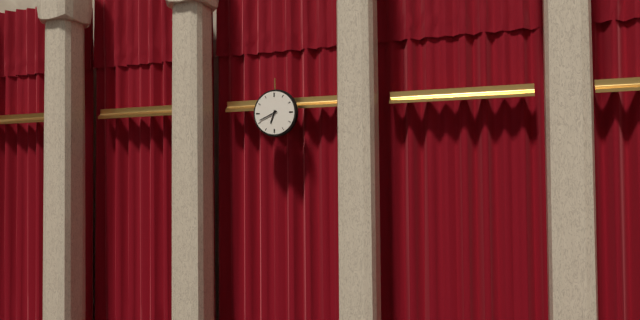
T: 6:41
